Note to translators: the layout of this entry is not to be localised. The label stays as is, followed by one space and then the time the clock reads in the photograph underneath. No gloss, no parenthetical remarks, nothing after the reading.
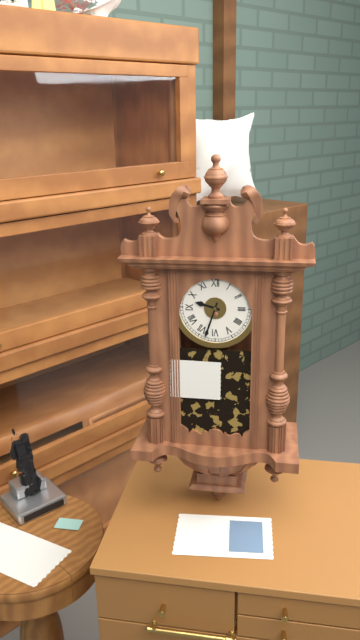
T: 9:33
